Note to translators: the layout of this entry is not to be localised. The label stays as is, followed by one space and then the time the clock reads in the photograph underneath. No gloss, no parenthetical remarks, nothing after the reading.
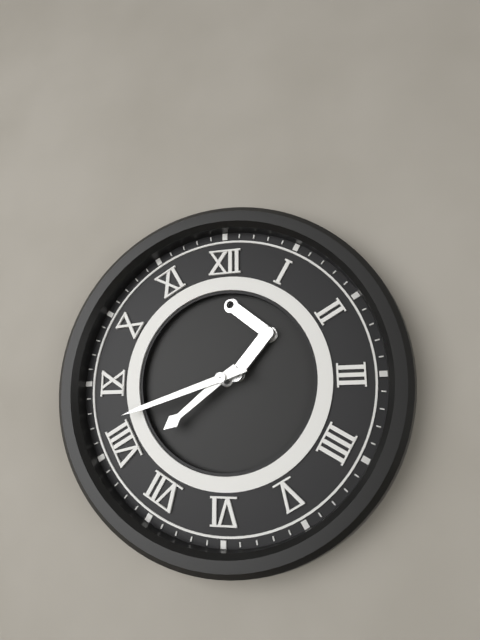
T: 7:42
